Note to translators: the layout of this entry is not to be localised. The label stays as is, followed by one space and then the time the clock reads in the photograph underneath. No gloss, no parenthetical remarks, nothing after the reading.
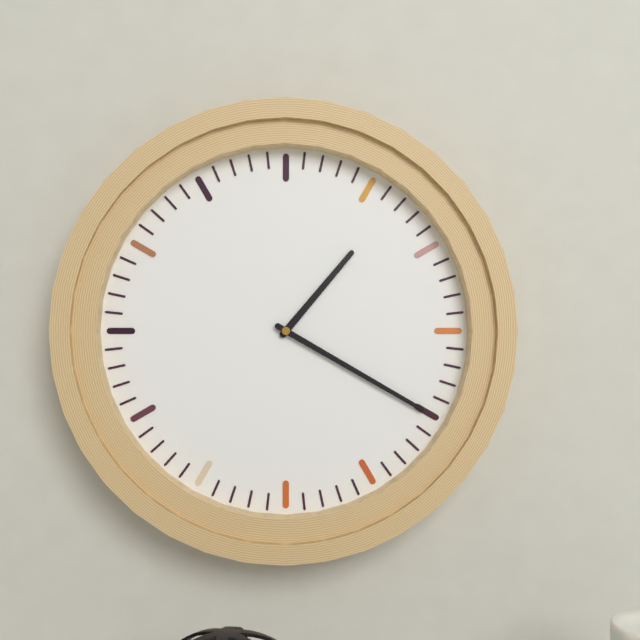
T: 1:20
